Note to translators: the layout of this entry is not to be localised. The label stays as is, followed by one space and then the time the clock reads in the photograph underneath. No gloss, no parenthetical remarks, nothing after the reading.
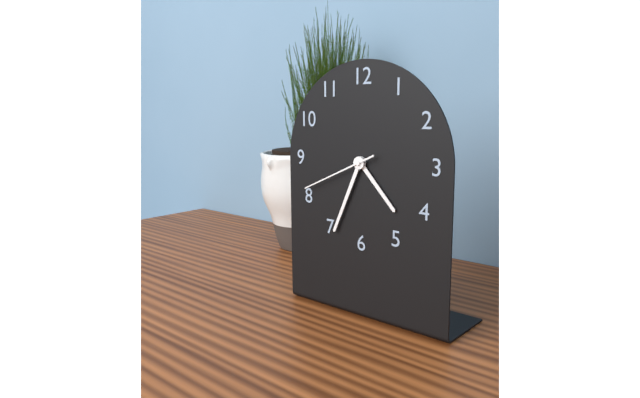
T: 4:34:41
